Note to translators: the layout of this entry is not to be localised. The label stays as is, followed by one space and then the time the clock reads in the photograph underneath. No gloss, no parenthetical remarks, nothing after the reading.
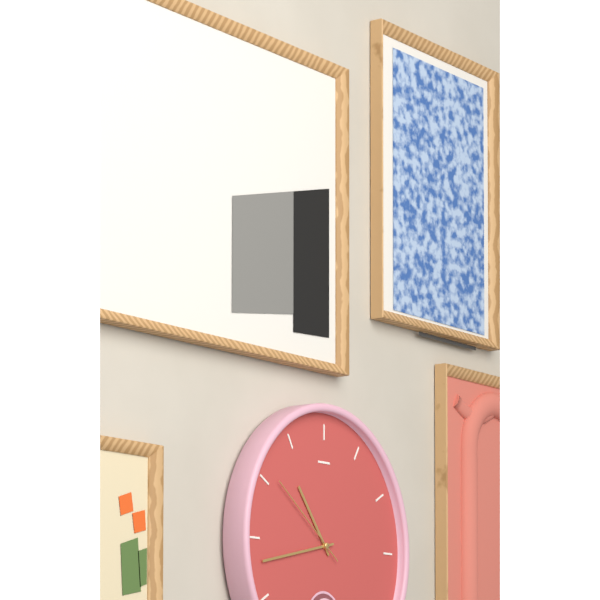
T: 10:43:51
